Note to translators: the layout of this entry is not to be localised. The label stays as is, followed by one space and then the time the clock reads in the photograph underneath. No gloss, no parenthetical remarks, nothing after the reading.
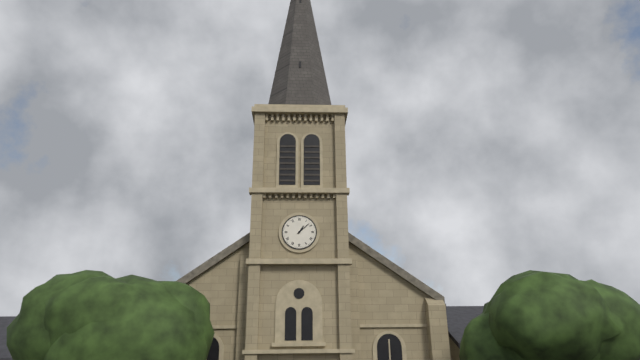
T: 1:08
